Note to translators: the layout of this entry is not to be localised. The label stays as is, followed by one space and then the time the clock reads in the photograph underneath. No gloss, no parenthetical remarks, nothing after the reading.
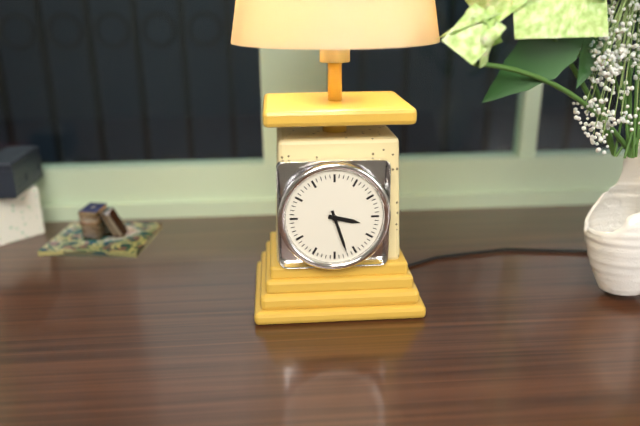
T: 3:27
